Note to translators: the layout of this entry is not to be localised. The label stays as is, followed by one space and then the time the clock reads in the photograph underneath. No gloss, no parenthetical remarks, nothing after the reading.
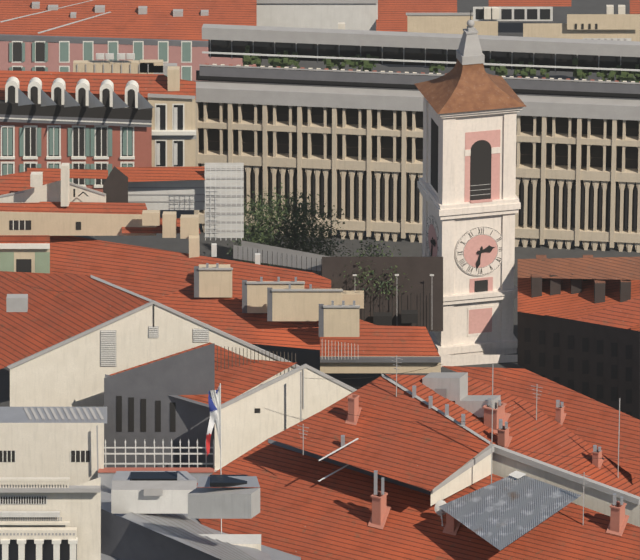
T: 2:32
